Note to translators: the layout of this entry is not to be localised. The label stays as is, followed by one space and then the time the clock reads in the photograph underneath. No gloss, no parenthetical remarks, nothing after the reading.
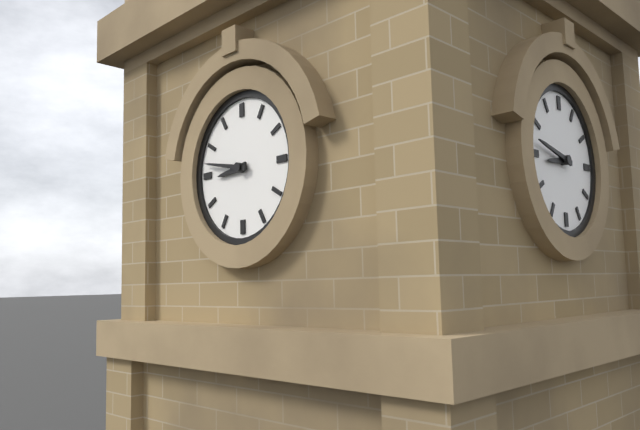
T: 8:47
